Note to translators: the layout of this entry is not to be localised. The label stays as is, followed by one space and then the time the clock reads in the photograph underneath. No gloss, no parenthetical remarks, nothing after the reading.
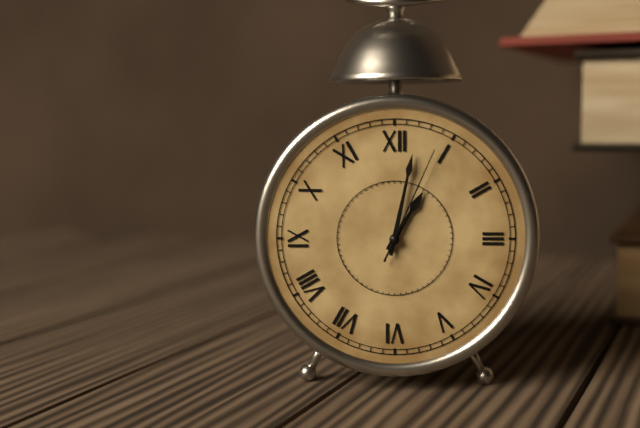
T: 1:02:04
